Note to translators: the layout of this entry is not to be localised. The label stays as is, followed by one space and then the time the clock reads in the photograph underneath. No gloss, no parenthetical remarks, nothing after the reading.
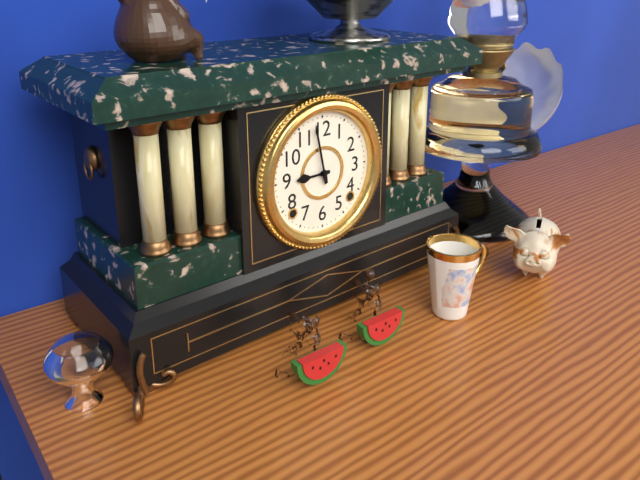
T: 8:58
